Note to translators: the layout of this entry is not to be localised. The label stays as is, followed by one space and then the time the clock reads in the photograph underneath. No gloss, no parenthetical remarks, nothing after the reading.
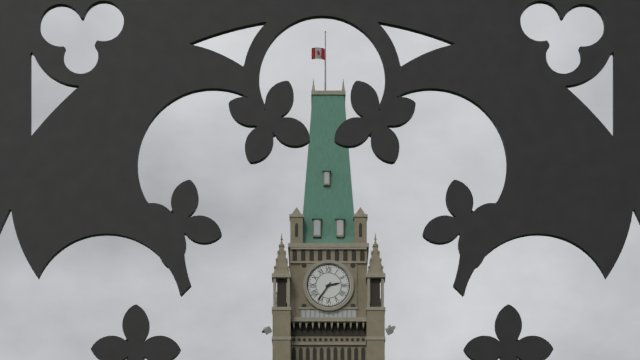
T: 2:36
